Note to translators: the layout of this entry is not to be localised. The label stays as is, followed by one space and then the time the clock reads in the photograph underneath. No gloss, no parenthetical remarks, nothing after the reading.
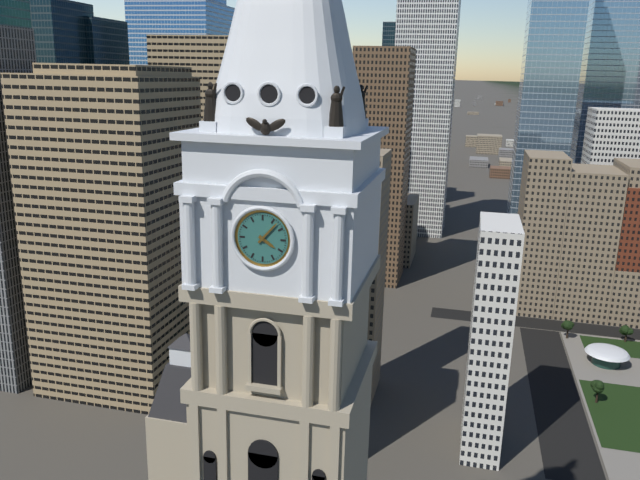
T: 4:07
